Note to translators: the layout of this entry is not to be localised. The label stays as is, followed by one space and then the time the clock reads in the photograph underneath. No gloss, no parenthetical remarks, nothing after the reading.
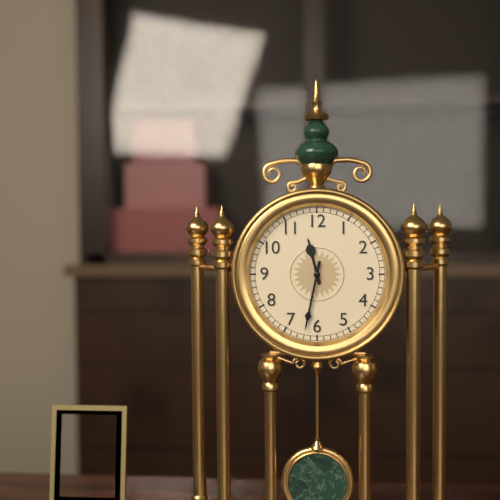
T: 11:32
